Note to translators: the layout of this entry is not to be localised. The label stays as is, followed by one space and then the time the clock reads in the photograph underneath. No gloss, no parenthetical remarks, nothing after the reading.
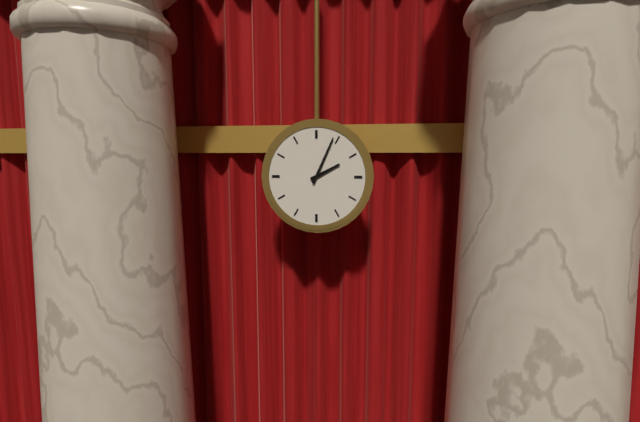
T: 2:04
